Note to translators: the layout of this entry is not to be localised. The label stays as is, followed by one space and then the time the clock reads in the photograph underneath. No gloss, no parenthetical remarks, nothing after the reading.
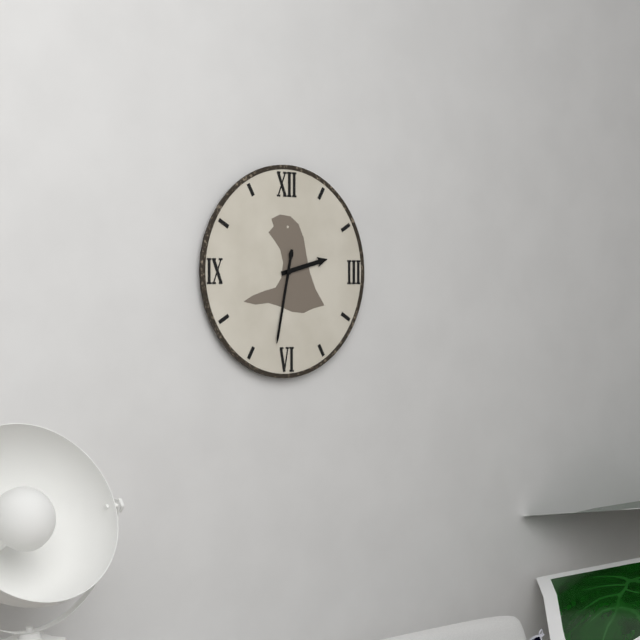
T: 2:32
